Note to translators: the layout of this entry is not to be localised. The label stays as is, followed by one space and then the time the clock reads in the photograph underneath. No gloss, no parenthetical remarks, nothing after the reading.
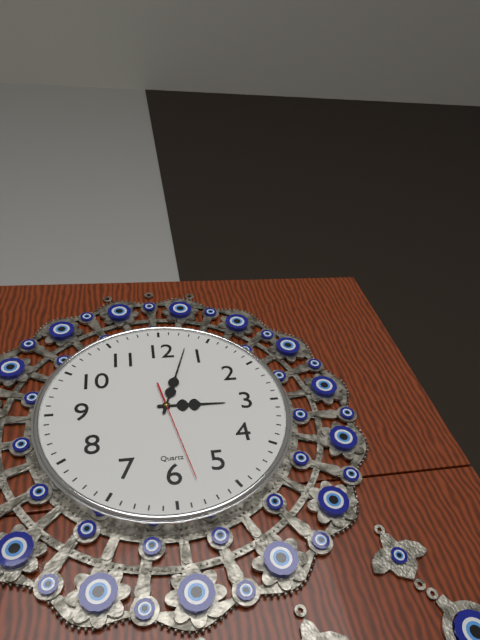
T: 3:03:28
